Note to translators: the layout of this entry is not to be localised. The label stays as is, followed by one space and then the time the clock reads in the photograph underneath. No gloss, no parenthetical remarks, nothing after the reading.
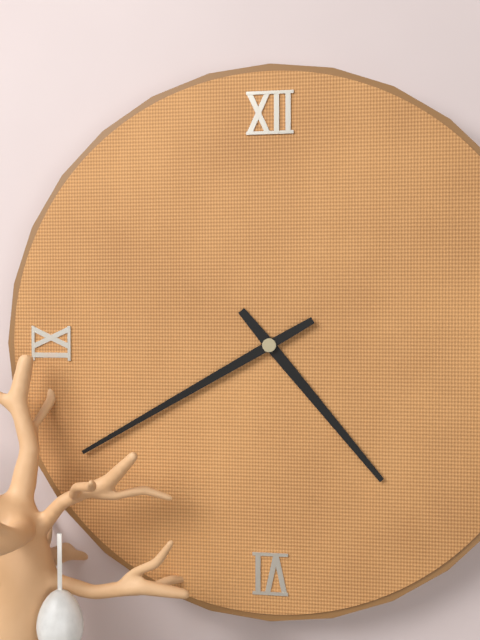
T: 4:40
